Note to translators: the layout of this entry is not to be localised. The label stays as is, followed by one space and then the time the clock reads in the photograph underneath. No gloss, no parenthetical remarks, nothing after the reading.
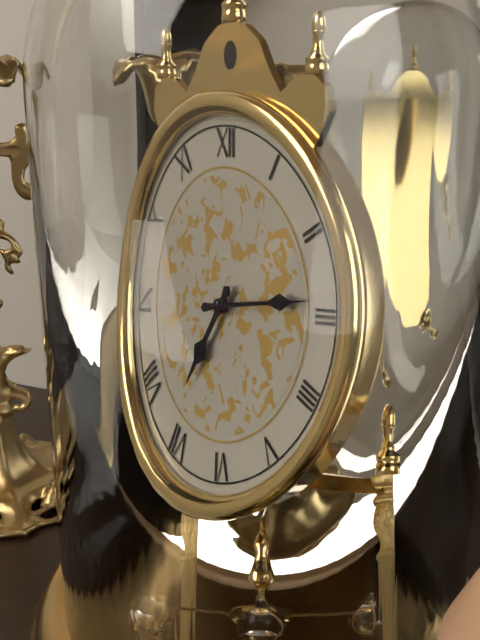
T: 7:14
